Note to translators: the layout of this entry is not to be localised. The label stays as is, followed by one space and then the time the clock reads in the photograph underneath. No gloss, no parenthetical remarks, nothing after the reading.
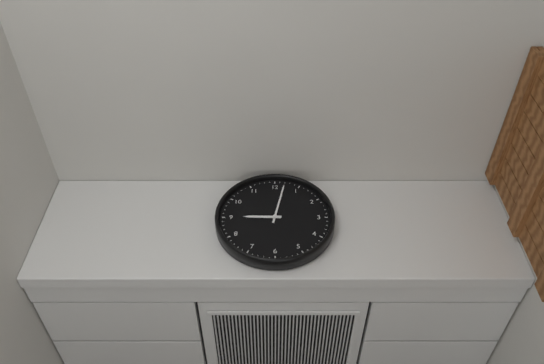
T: 9:02
